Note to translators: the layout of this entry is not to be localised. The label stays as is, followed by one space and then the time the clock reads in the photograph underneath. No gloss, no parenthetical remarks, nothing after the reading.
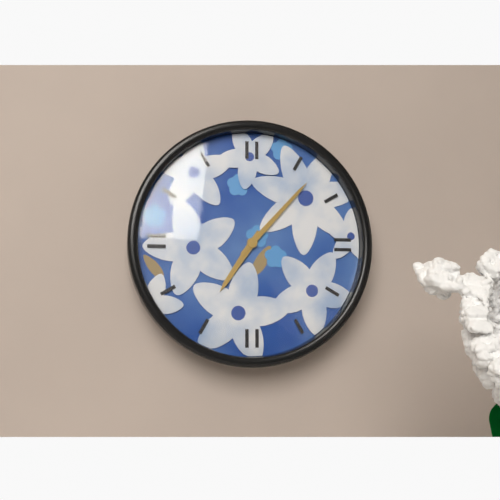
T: 7:07
